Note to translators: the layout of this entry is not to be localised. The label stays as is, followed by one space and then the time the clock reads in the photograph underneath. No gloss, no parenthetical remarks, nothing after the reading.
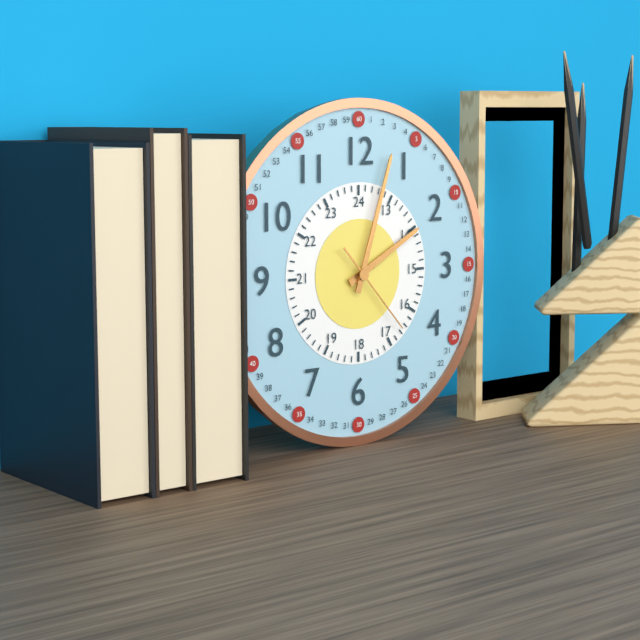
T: 2:03:23
